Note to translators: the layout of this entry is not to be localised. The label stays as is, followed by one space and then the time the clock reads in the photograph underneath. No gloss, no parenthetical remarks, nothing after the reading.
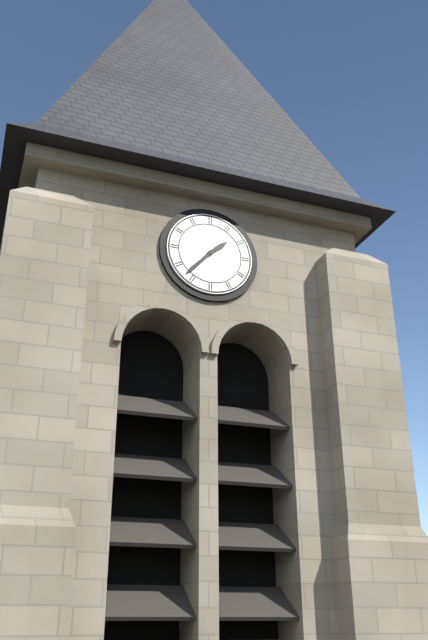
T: 1:37
